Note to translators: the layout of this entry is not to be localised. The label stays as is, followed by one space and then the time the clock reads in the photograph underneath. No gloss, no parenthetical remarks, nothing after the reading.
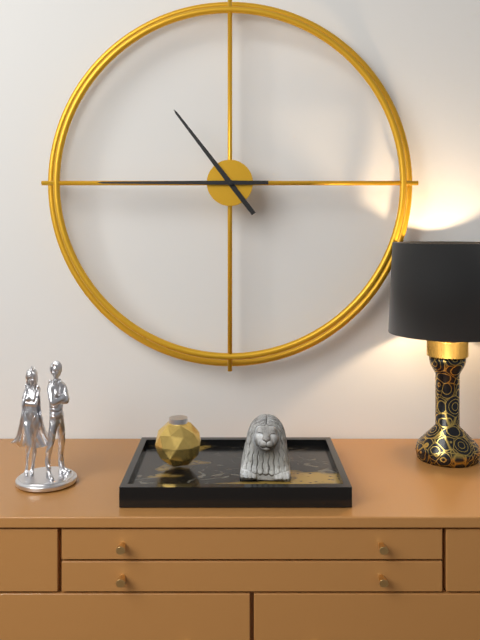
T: 10:45
